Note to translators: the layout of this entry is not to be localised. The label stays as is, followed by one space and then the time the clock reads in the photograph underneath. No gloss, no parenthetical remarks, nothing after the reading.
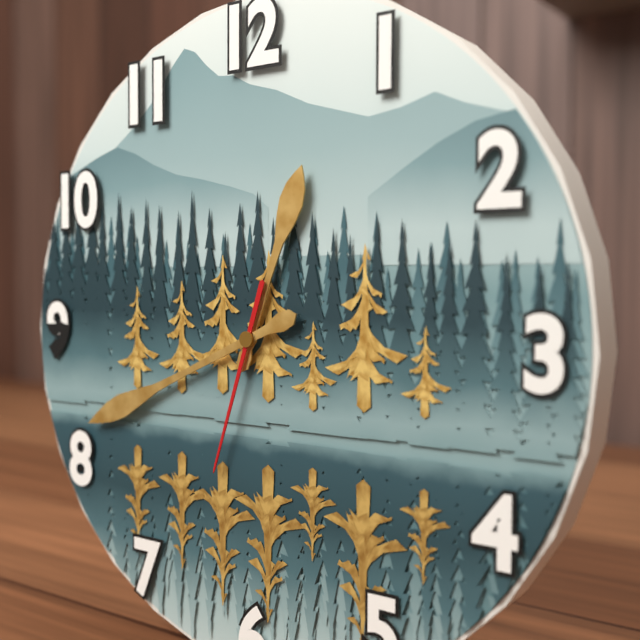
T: 12:41:33
